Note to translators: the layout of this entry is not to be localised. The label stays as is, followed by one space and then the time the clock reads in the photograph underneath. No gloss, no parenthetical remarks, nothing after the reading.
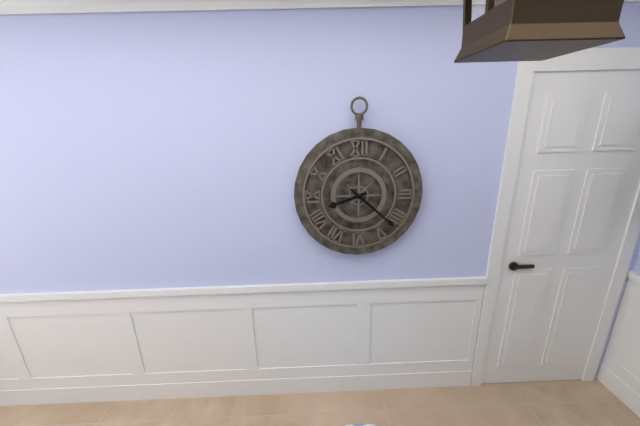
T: 8:22
